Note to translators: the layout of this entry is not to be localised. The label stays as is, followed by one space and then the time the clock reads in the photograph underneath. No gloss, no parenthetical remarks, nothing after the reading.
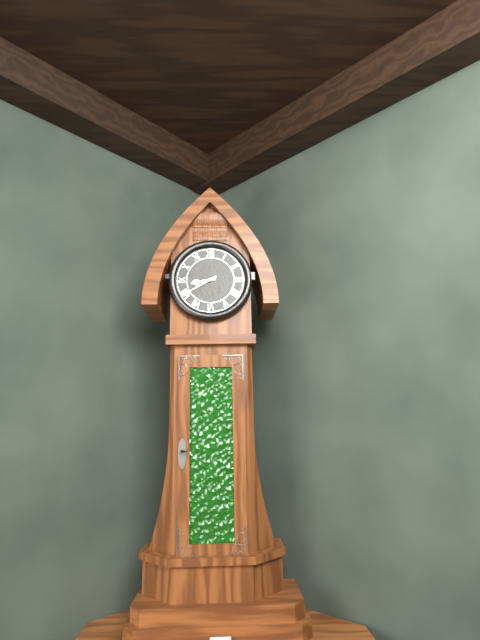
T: 8:40
